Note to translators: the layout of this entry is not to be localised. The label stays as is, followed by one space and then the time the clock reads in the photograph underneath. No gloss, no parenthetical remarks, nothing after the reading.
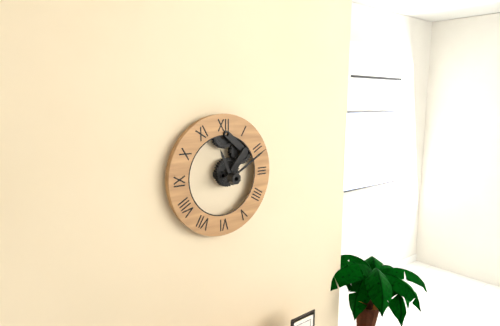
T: 11:10
